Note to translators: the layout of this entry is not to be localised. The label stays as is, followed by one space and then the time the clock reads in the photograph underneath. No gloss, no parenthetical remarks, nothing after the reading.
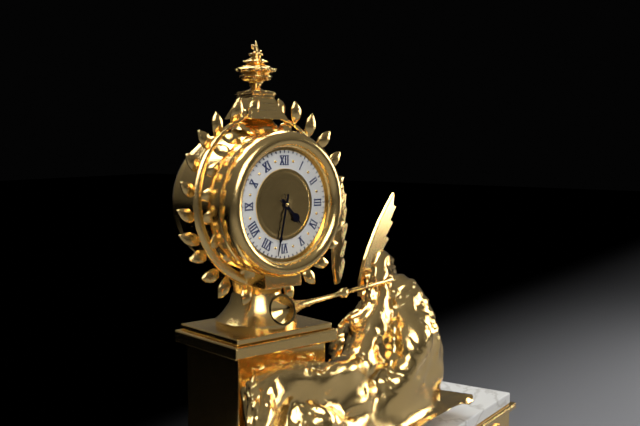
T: 4:32
